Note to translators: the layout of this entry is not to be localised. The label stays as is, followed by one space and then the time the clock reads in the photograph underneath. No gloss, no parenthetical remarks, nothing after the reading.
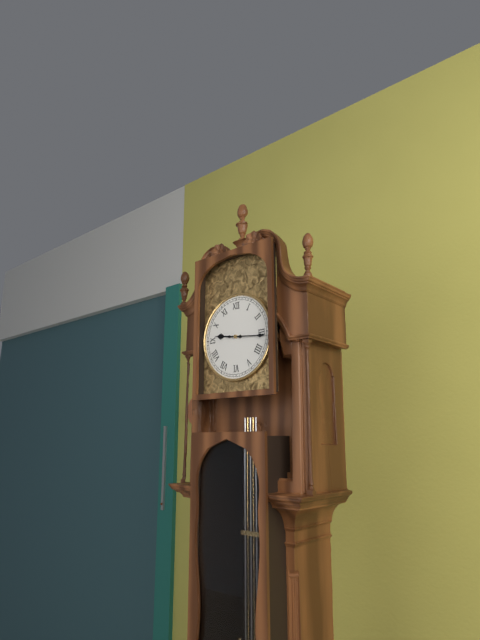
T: 9:16
